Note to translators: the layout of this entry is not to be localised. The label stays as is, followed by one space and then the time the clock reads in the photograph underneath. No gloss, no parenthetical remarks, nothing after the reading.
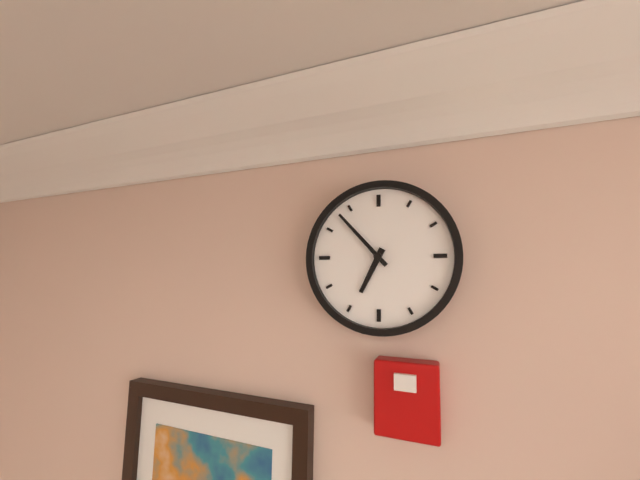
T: 6:53
